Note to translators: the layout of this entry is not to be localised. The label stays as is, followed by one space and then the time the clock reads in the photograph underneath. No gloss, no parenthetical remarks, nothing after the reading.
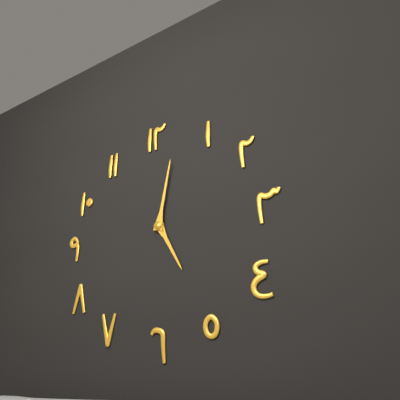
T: 5:02
